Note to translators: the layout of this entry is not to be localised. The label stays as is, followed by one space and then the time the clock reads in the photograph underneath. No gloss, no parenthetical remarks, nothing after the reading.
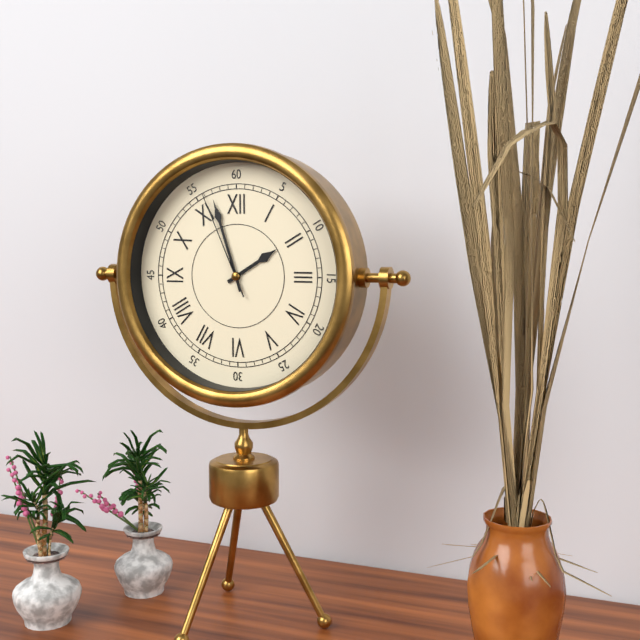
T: 1:57:56
